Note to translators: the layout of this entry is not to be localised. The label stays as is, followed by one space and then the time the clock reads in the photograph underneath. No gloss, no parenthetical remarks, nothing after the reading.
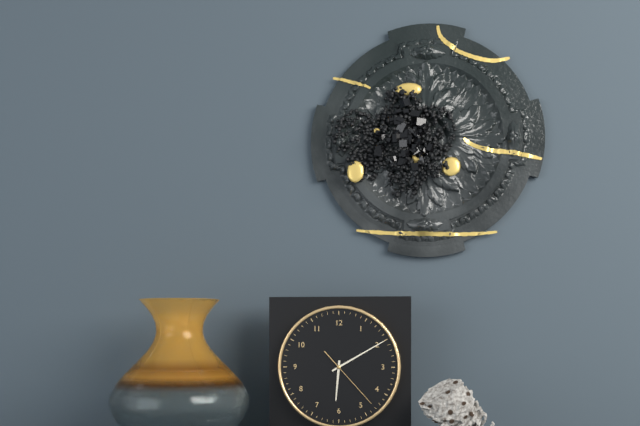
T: 6:10:23
